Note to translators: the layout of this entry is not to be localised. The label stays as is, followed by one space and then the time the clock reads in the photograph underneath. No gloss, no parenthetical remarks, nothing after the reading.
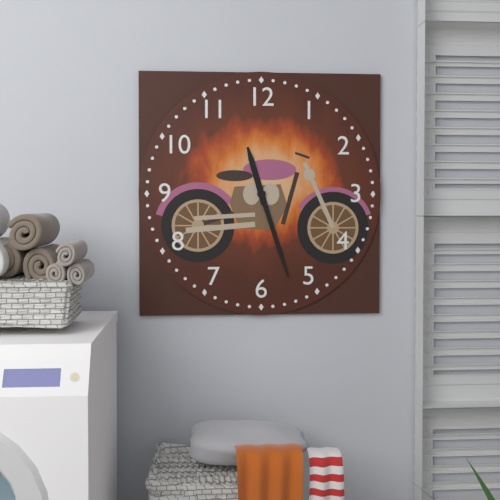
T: 11:27
